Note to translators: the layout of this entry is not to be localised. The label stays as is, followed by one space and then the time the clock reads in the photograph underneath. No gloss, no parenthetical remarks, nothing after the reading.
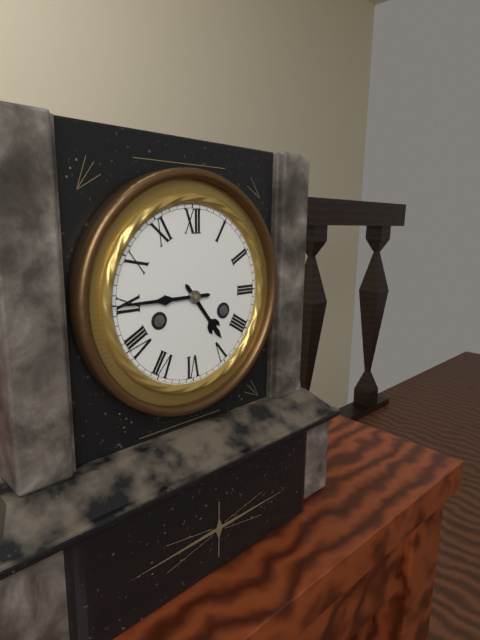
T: 4:45
